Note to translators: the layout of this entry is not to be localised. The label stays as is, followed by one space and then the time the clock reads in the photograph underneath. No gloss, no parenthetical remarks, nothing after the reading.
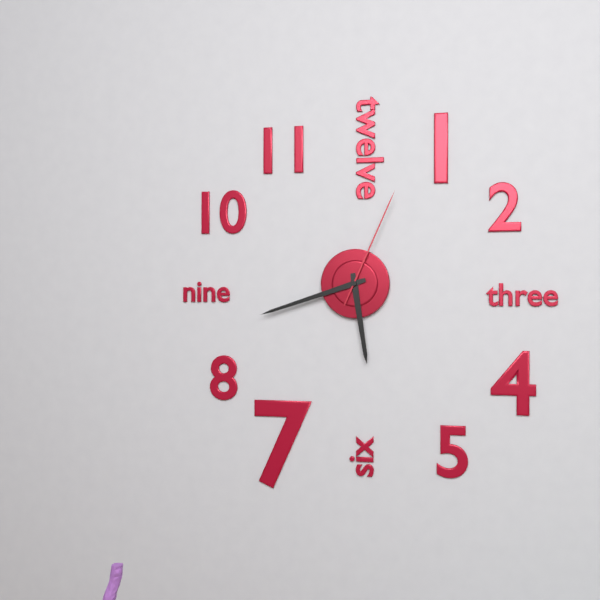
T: 5:42:04
